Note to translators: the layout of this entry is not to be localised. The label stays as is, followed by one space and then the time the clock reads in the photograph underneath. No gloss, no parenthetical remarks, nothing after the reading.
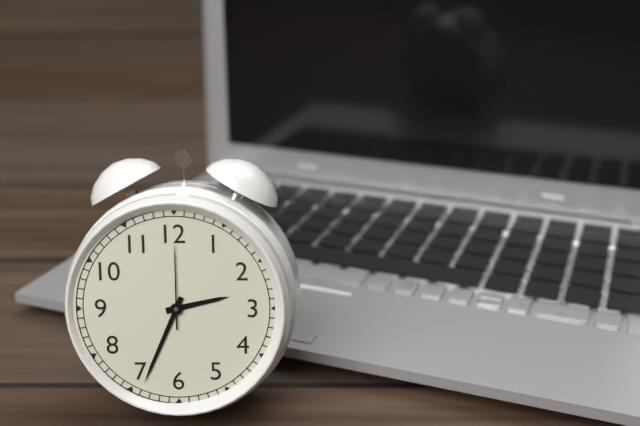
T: 2:34:00
